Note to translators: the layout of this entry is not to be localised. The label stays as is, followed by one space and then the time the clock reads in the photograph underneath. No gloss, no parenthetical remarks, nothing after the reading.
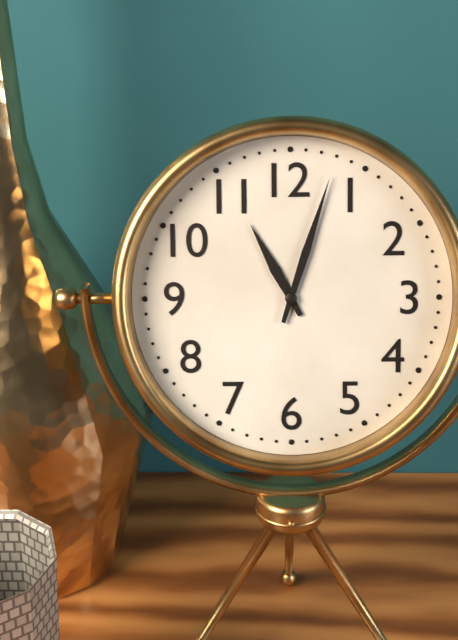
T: 11:03
